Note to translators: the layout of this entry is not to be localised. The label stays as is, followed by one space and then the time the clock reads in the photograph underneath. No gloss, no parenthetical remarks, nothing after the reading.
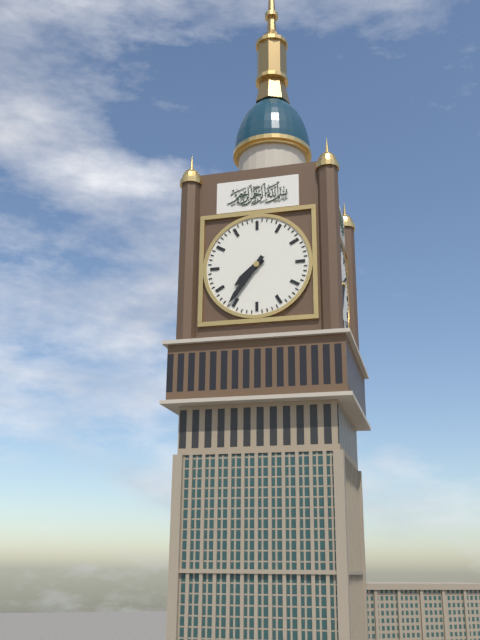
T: 7:36
